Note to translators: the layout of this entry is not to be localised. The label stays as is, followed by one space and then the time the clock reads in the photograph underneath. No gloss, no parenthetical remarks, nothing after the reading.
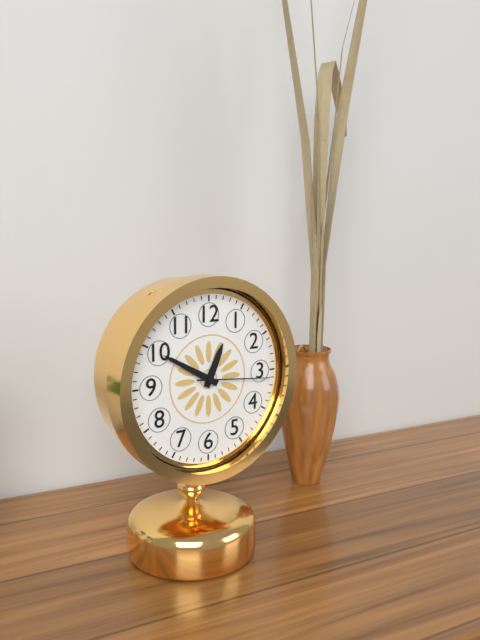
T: 12:50:16
